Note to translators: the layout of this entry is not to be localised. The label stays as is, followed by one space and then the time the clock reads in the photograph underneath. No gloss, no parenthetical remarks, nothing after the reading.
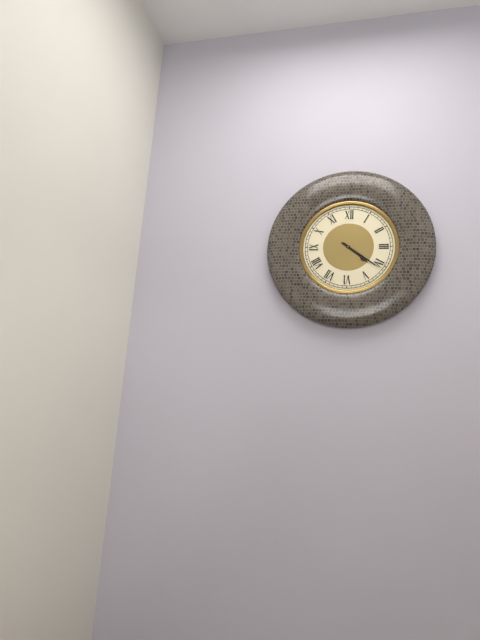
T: 4:21
